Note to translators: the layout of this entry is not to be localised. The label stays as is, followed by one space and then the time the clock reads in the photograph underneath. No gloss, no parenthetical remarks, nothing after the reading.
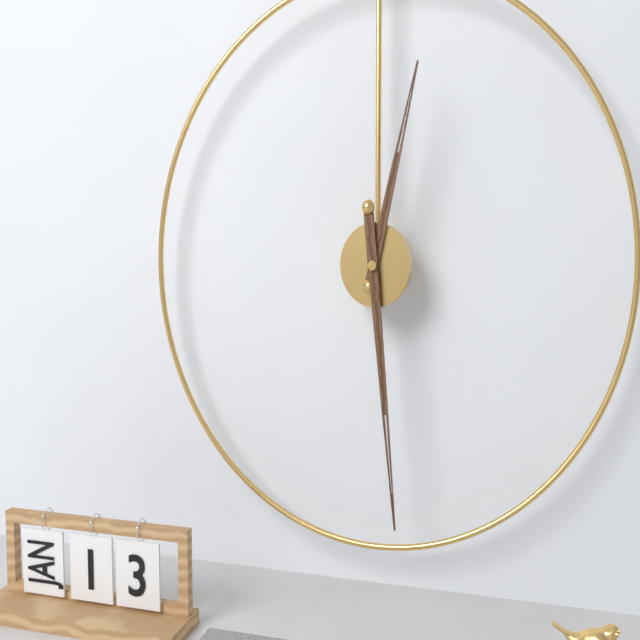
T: 12:29
